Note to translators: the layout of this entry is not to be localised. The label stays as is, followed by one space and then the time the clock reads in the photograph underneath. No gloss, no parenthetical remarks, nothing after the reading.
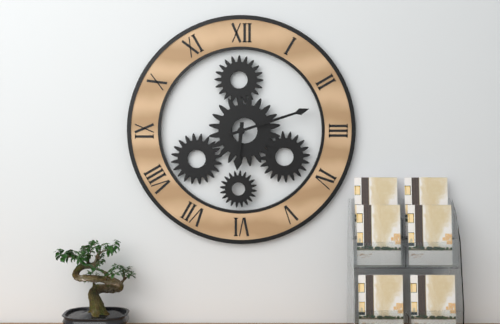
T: 6:12
